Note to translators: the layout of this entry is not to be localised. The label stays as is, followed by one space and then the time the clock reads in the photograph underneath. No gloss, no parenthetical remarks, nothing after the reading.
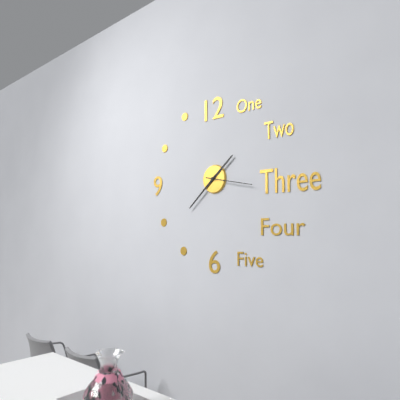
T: 1:38
